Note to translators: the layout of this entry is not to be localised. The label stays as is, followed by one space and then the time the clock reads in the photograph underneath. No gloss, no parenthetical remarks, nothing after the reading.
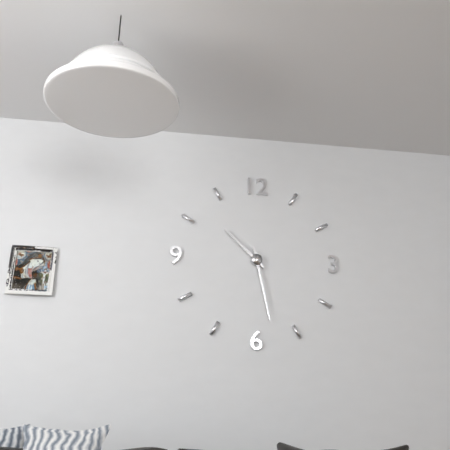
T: 10:28
